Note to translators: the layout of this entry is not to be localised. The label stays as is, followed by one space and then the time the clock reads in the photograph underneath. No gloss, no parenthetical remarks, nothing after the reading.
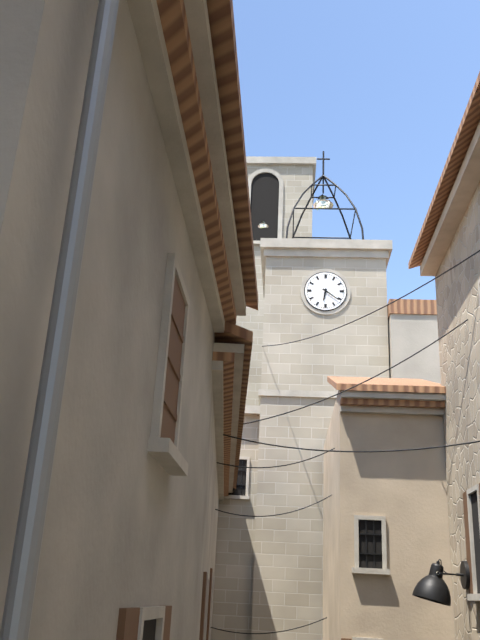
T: 6:21
